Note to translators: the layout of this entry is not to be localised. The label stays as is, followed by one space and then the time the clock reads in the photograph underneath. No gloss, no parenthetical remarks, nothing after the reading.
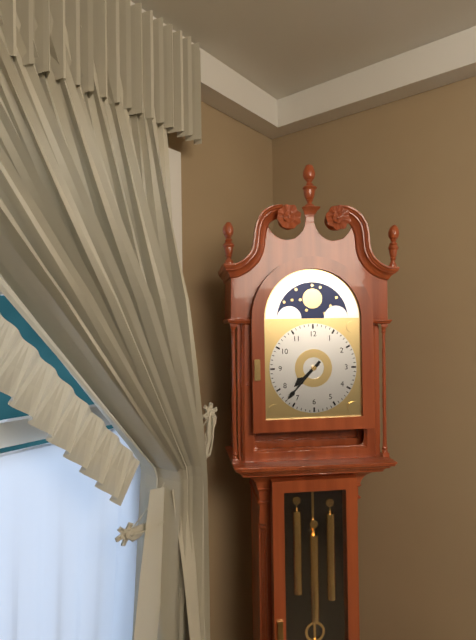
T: 7:37
